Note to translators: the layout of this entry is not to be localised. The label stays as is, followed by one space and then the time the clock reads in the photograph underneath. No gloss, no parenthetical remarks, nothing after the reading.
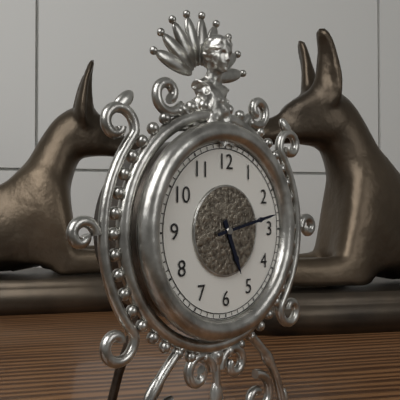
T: 5:13
